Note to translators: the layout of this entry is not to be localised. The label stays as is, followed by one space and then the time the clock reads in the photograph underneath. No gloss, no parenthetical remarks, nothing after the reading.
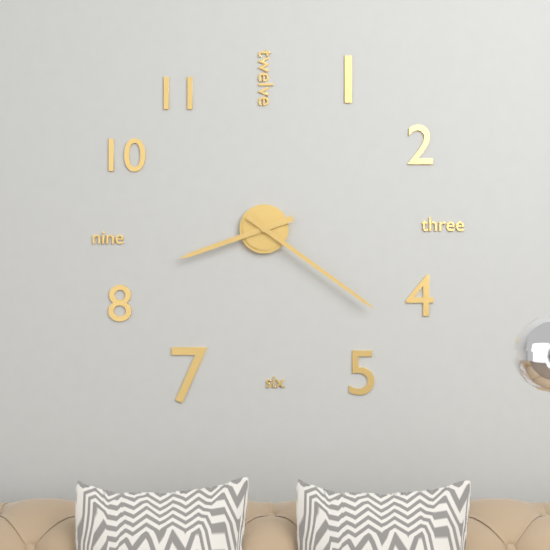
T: 8:21
